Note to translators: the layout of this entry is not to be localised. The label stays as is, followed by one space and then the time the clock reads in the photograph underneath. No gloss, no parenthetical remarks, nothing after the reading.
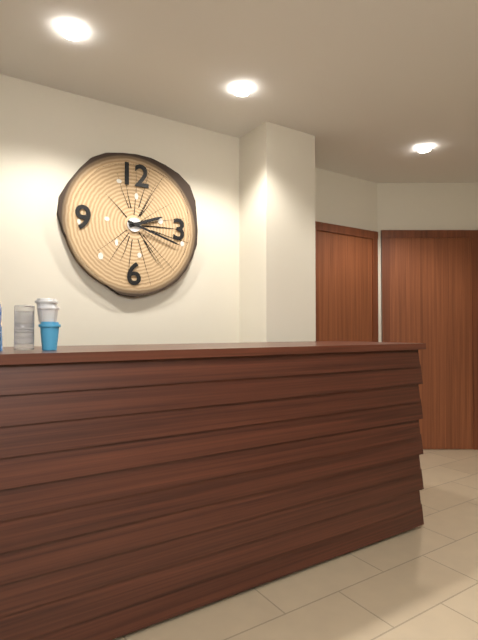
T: 2:18
